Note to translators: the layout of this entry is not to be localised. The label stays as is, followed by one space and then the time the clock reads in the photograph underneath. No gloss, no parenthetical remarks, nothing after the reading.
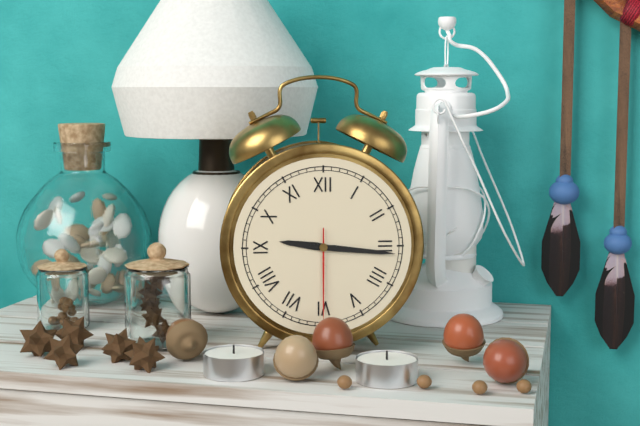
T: 9:16:30
